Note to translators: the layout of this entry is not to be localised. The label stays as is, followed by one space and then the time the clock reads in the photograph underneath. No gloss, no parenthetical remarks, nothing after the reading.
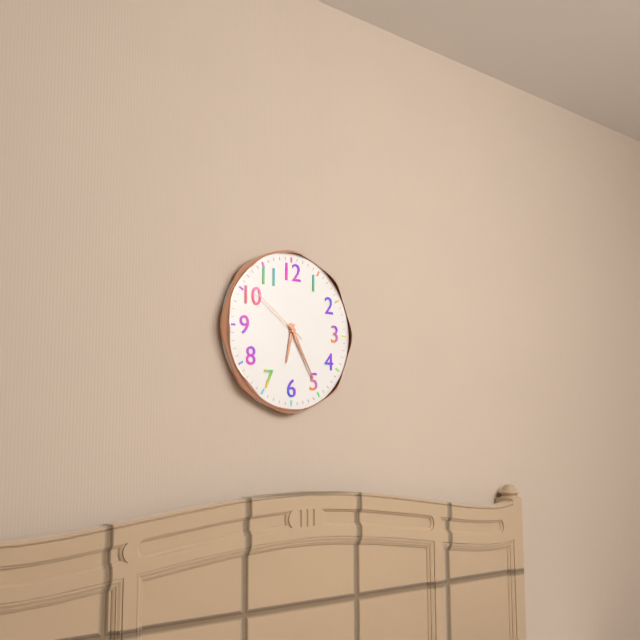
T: 6:25:51
